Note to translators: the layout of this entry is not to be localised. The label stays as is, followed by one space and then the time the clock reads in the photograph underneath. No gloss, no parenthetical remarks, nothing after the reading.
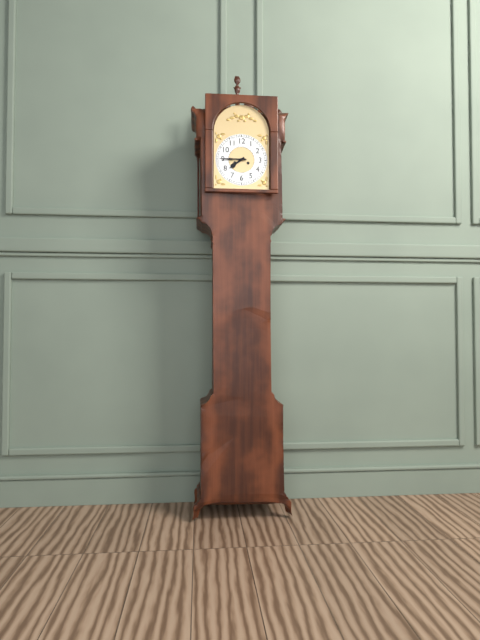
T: 7:45
